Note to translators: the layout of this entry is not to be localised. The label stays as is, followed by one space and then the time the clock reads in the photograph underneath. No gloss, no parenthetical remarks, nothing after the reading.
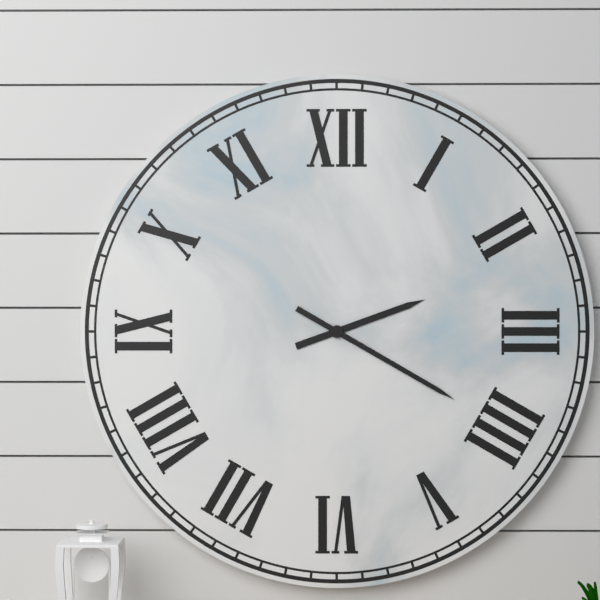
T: 2:20
